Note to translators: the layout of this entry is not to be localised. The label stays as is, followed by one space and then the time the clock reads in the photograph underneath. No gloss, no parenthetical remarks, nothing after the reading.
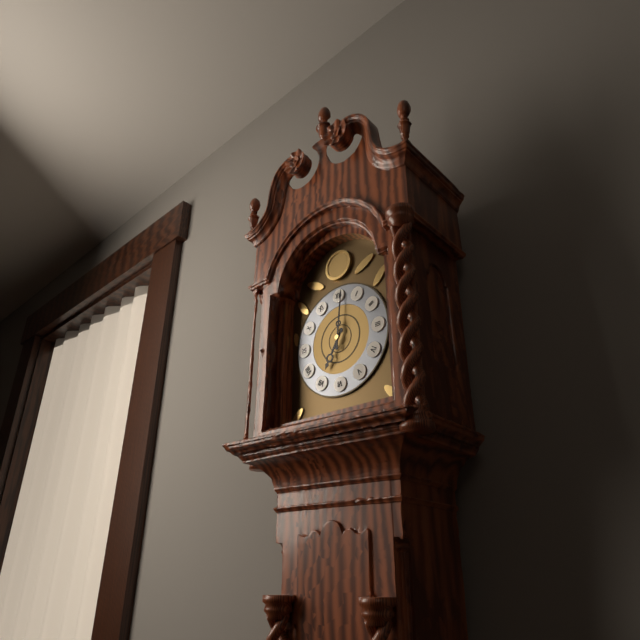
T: 7:01
